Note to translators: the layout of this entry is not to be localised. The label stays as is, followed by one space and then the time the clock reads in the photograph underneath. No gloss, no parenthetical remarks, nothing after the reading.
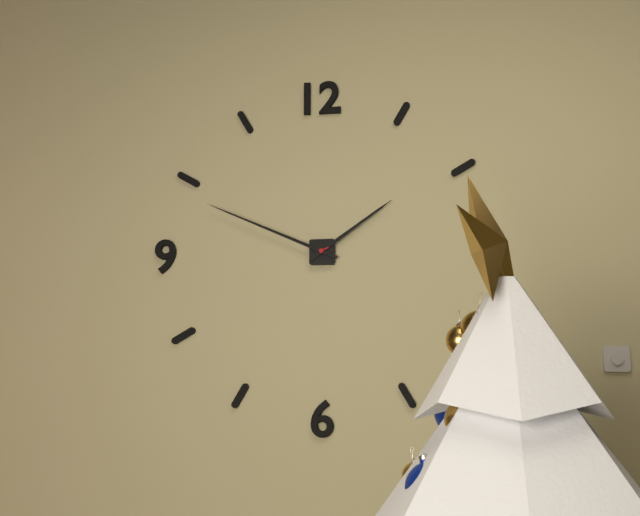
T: 1:49
